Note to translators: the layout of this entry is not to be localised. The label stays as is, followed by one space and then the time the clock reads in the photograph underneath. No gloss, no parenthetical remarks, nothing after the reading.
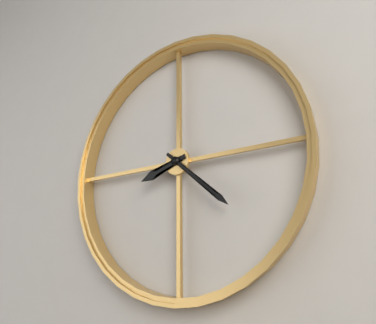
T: 8:22
